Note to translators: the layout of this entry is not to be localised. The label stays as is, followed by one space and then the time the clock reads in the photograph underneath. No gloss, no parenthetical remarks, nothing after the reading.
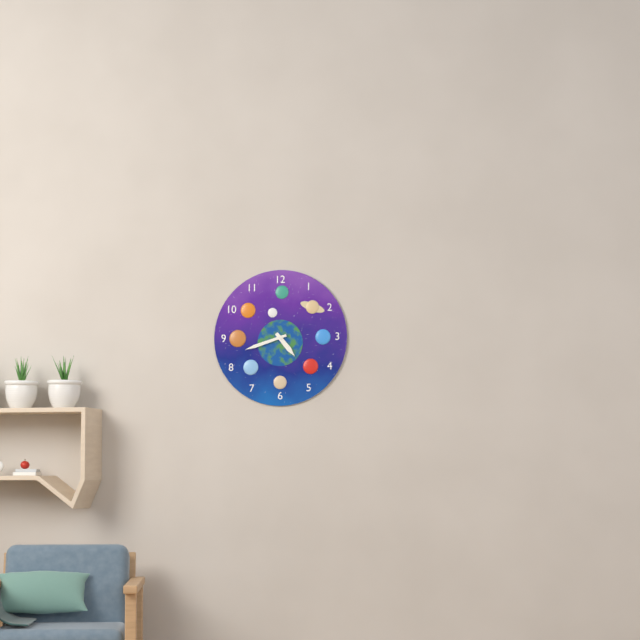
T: 4:42
